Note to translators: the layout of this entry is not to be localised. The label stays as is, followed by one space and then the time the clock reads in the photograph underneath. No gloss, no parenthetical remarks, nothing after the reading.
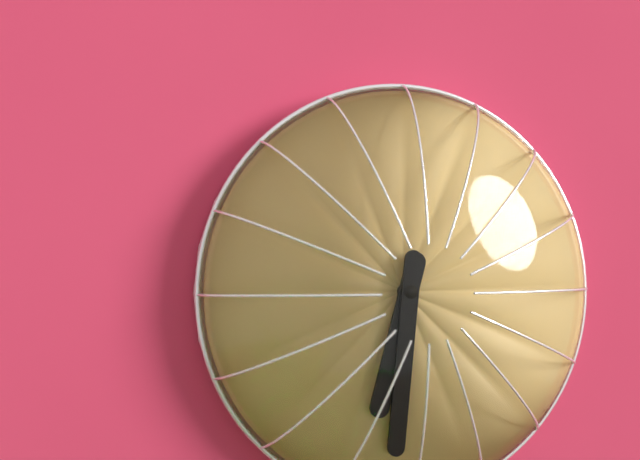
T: 6:31
